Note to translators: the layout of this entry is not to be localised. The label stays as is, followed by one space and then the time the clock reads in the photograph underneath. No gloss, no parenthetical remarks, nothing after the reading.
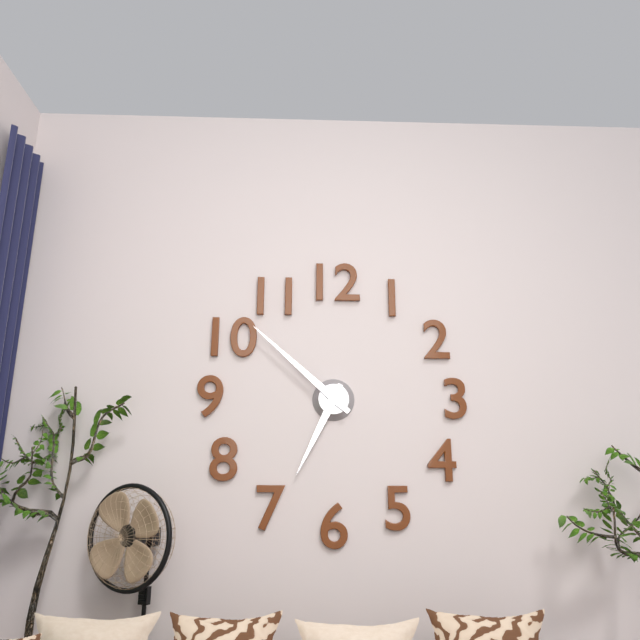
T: 6:52
